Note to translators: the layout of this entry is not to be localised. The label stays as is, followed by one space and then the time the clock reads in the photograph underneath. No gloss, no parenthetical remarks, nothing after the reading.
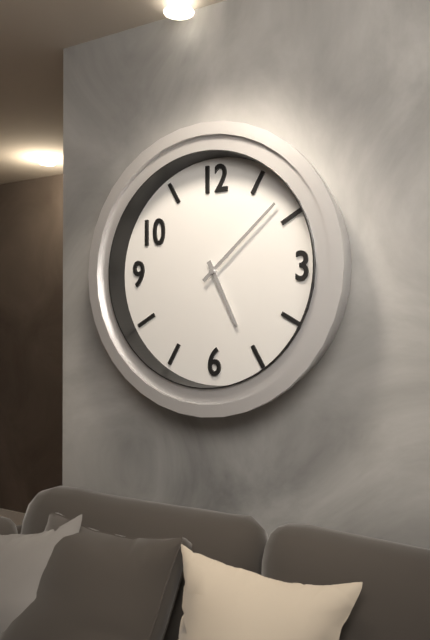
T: 5:08
